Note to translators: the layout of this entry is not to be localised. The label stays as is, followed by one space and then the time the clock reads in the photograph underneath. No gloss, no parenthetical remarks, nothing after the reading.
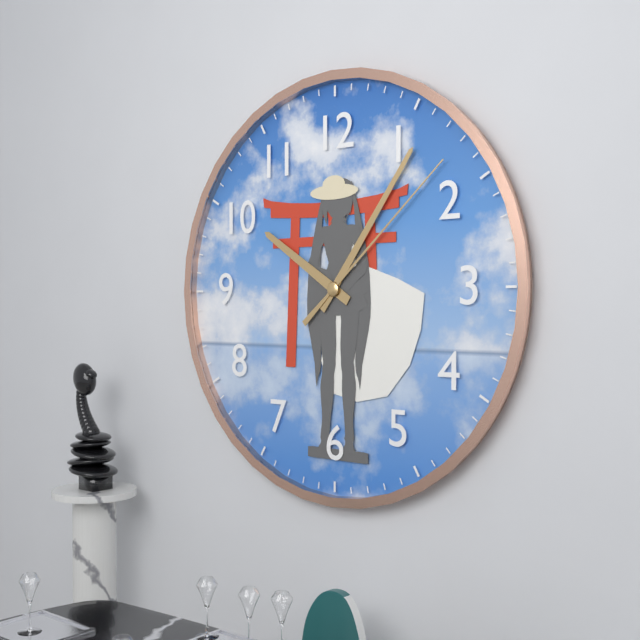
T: 10:06:08
